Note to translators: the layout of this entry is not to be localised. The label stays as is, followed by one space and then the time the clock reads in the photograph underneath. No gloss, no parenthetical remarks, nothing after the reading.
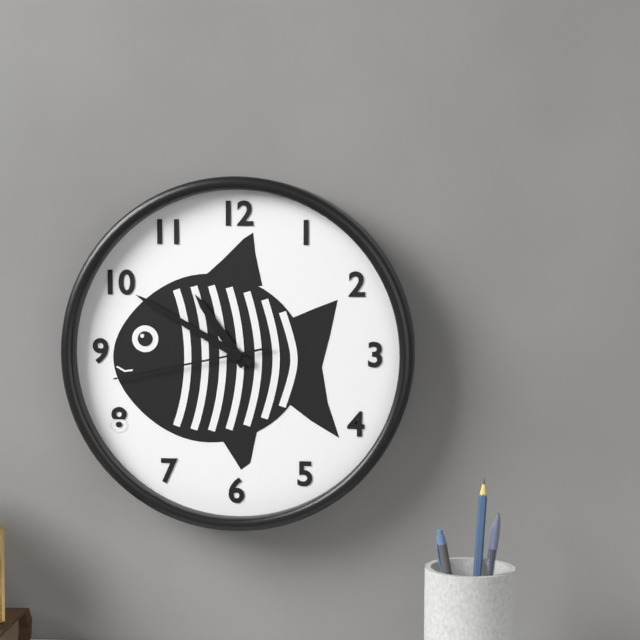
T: 10:50:43
